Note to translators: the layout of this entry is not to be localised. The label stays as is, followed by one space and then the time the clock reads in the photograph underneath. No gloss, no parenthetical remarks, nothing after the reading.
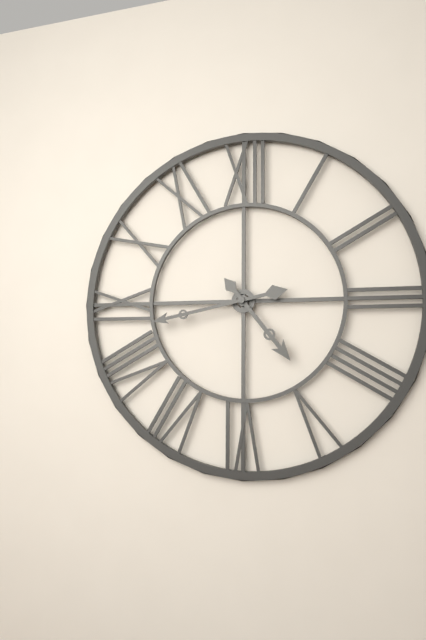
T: 4:43
